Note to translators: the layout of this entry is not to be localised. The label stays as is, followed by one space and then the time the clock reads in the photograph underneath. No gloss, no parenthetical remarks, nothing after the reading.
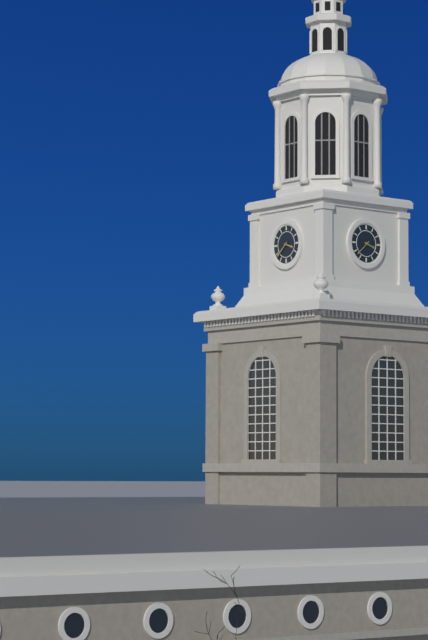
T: 3:38
